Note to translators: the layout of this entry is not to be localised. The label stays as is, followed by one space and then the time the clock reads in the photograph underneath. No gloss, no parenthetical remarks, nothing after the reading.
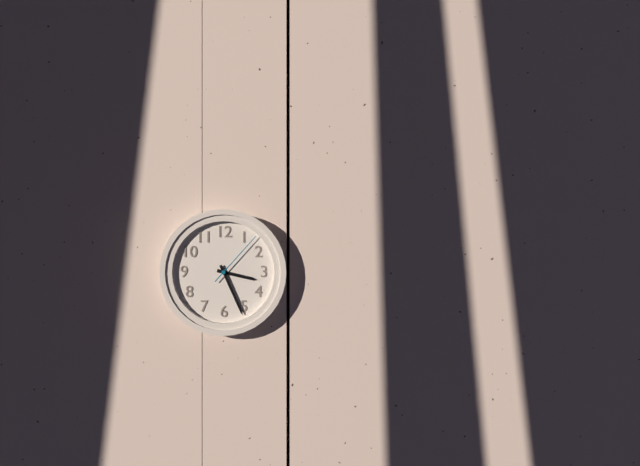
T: 3:26:07
